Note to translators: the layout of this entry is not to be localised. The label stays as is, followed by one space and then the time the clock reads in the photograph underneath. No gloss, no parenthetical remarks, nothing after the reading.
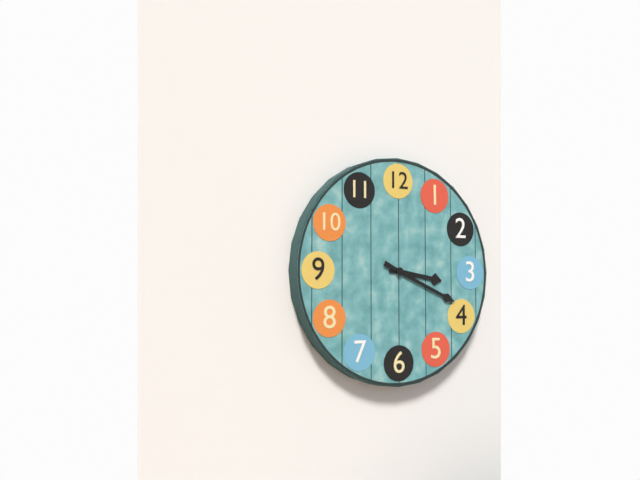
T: 3:19
